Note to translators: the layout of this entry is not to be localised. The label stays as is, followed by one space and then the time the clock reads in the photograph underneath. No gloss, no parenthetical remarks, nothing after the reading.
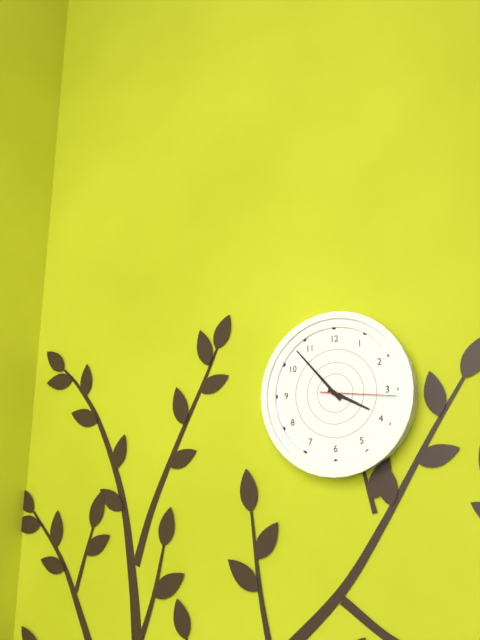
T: 3:53:16
